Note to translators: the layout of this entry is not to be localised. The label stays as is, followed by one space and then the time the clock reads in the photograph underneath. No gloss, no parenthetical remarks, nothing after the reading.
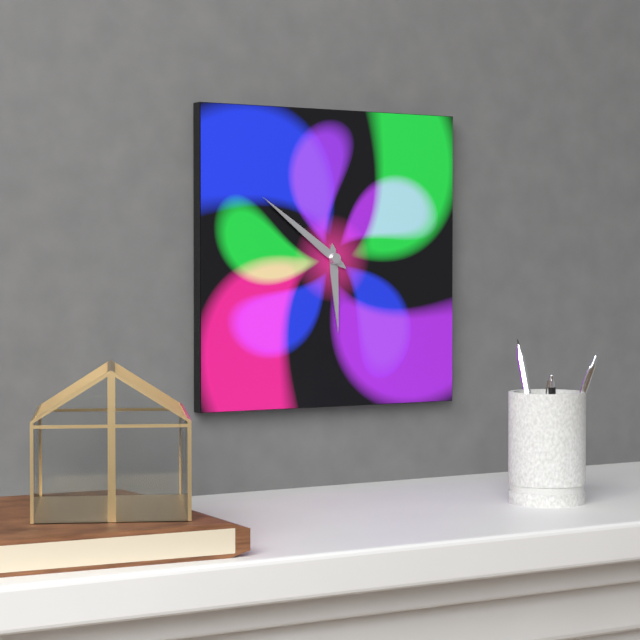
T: 5:51
